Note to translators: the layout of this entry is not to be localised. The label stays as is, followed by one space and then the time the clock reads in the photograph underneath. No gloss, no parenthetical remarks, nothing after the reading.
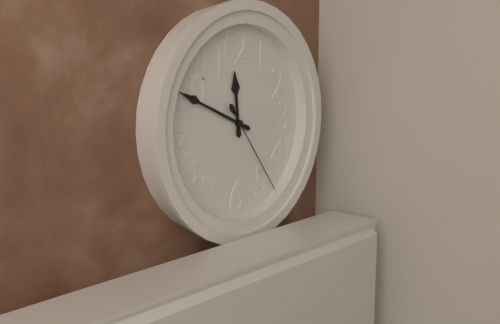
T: 11:49:24
